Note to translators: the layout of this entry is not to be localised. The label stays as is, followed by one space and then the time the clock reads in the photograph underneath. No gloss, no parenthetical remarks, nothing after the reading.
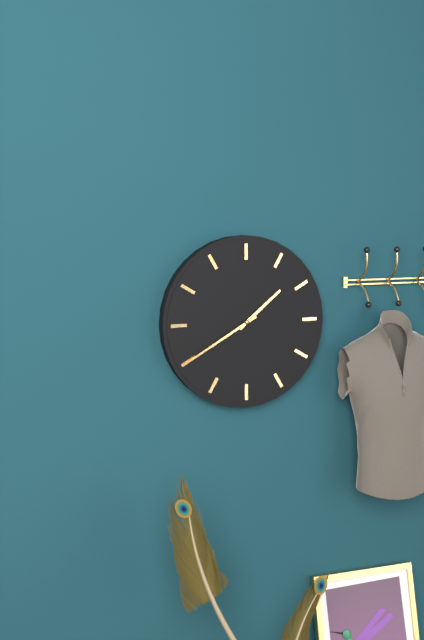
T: 1:40
